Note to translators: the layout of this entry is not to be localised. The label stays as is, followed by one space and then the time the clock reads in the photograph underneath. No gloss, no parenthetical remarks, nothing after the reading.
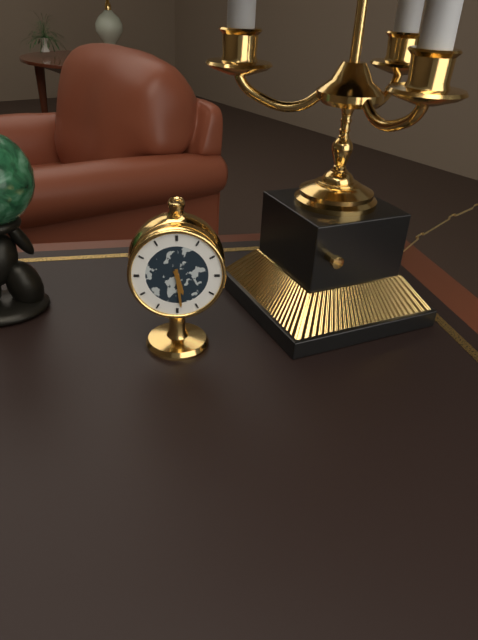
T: 5:29
